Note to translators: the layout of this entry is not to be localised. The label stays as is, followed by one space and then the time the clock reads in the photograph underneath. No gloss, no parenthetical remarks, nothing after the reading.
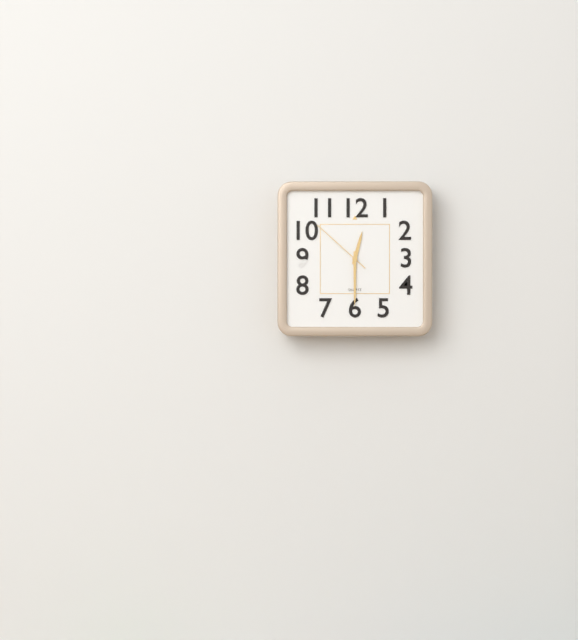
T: 12:30:52
